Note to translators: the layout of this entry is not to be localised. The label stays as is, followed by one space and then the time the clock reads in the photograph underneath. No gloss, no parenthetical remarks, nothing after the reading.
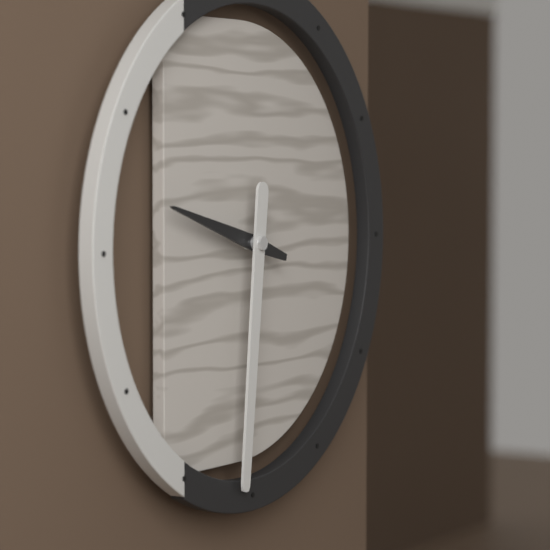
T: 9:31
